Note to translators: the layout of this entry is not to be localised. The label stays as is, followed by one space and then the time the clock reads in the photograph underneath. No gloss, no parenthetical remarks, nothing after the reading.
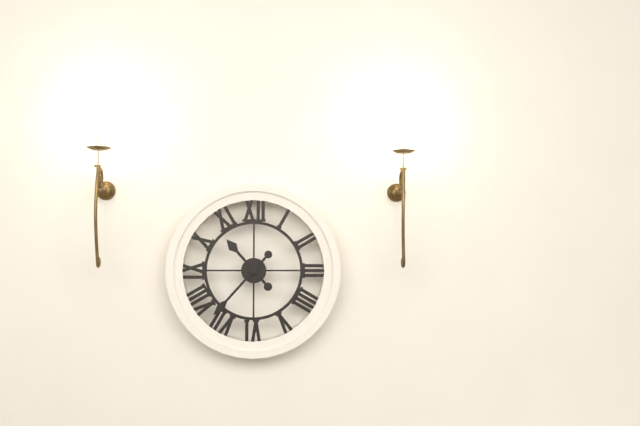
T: 10:37
